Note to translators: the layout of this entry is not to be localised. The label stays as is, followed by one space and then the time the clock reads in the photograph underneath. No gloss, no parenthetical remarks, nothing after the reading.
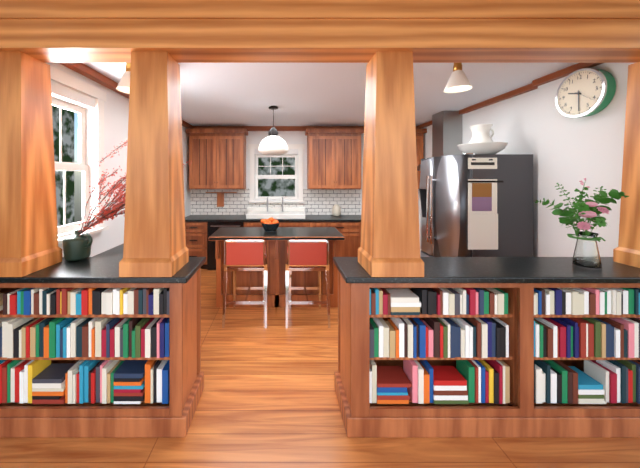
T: 9:30
